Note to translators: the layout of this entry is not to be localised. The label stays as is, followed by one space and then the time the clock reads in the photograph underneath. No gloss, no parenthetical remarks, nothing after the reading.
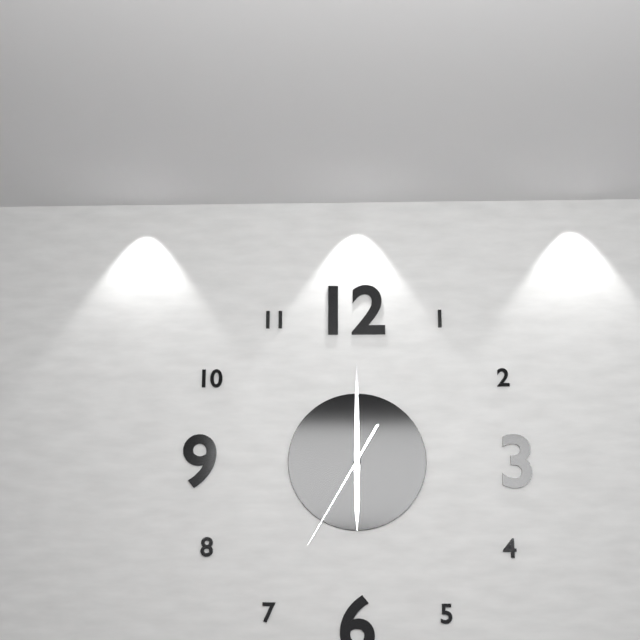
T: 6:00:35
